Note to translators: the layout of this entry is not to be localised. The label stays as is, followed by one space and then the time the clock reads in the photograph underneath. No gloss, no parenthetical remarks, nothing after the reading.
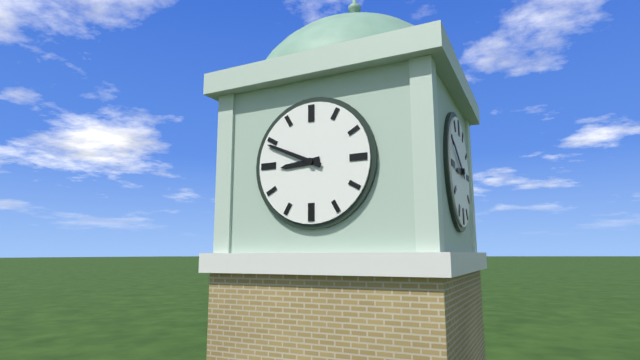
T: 8:49
